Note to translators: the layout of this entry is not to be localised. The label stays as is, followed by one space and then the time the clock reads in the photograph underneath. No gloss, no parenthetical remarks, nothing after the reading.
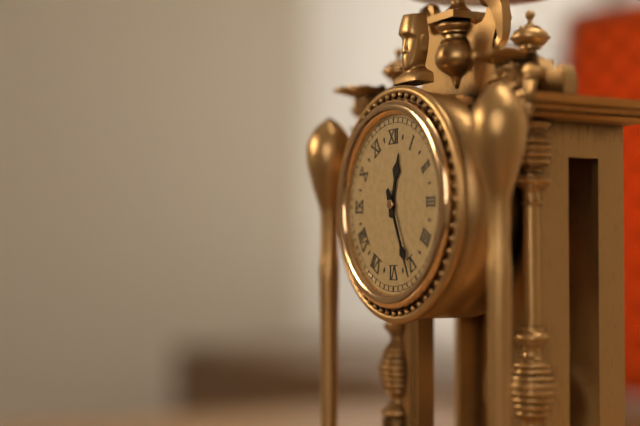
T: 12:26
